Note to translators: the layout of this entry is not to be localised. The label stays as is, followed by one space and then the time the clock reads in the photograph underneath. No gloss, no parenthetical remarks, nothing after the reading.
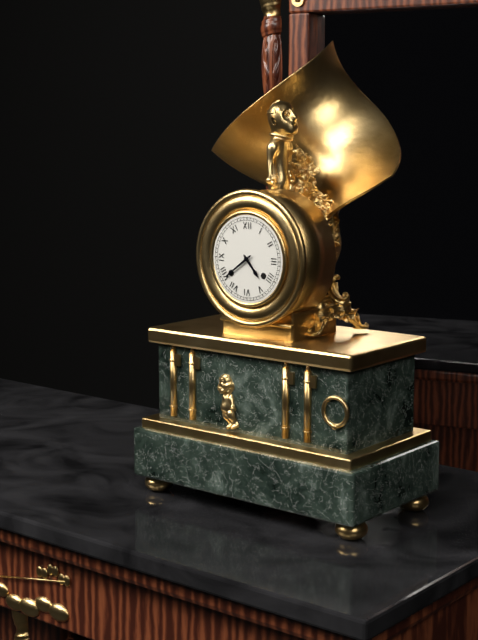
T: 4:39
